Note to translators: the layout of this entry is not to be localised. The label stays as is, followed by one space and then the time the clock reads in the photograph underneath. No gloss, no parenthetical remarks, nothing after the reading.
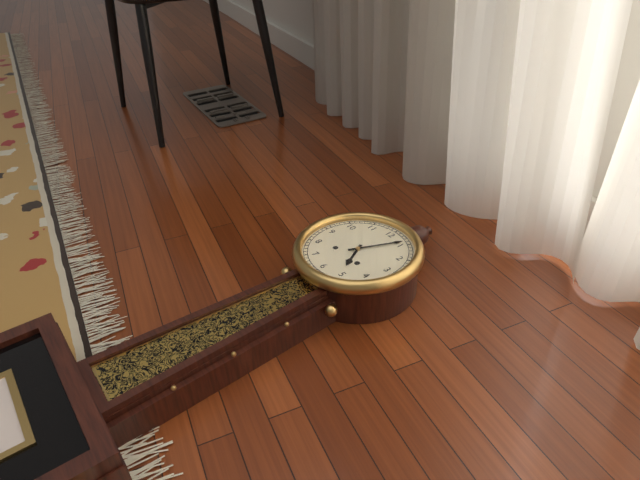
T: 5:04
